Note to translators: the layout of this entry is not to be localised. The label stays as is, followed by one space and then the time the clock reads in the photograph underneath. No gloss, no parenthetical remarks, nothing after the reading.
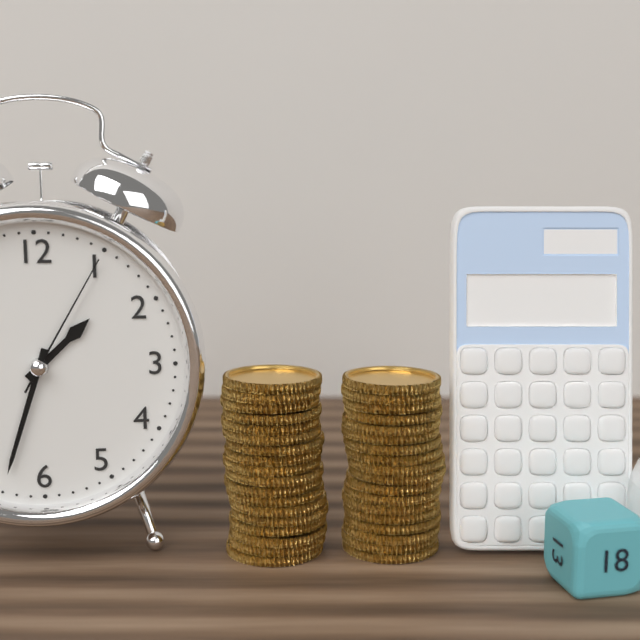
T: 1:33:05
